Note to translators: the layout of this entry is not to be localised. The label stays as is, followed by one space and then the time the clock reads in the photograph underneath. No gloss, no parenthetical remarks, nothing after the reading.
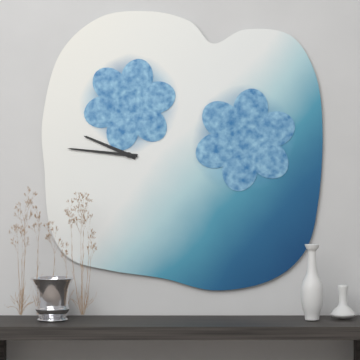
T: 9:46
